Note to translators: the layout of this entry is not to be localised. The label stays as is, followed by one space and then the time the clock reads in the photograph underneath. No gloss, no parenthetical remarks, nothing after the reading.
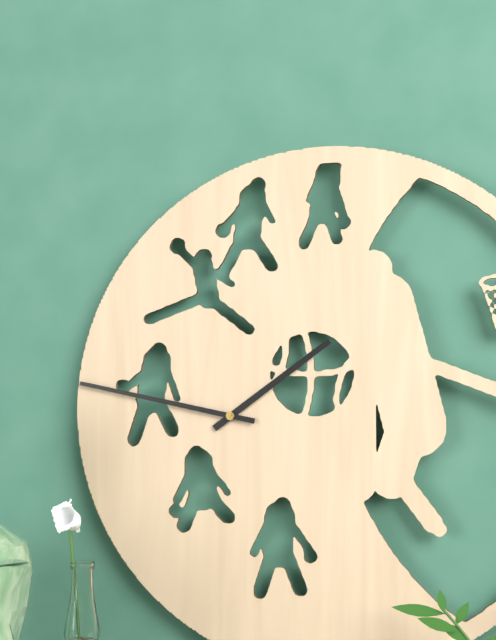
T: 1:47
